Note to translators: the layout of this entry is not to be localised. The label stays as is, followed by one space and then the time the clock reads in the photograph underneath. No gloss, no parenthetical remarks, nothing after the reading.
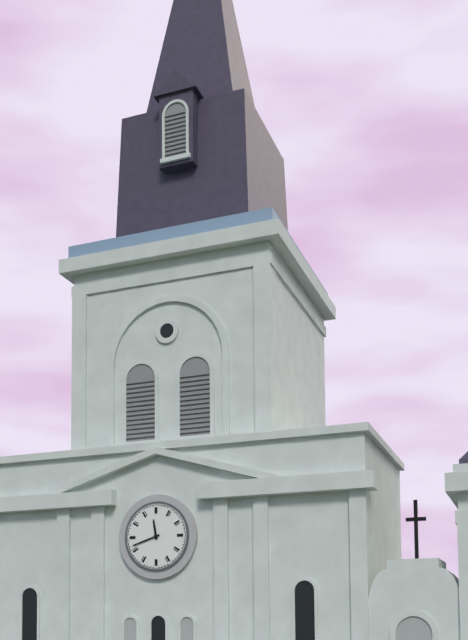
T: 11:42
